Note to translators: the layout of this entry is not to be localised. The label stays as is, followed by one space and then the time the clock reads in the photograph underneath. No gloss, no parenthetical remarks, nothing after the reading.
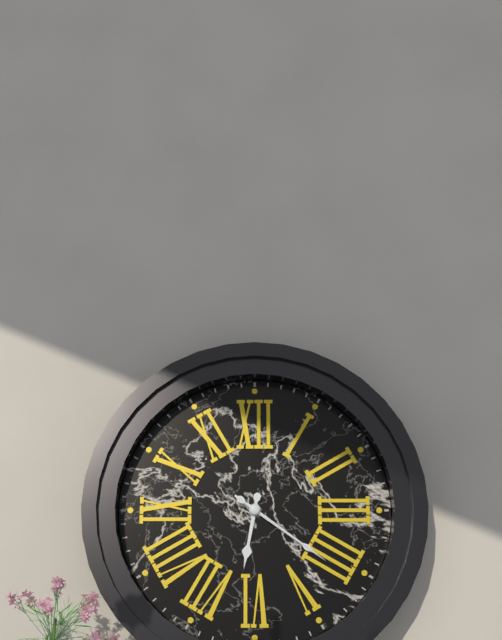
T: 6:21:21
